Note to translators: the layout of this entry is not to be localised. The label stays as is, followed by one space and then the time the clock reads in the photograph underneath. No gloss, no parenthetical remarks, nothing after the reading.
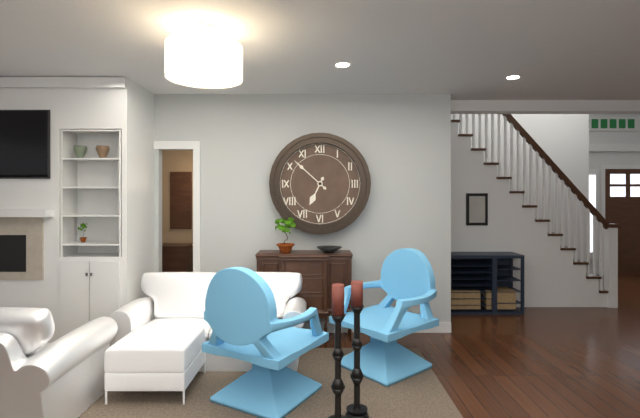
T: 6:52
